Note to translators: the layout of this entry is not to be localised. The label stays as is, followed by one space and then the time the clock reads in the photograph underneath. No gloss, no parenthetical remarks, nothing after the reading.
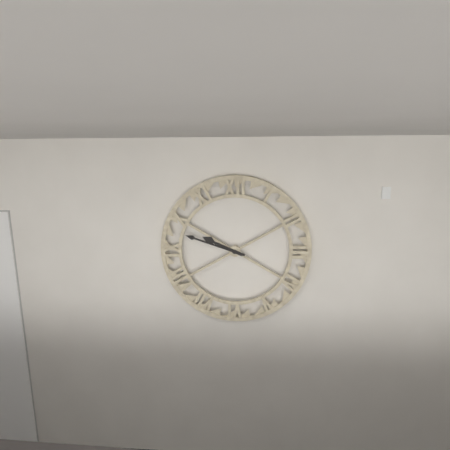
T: 9:48
